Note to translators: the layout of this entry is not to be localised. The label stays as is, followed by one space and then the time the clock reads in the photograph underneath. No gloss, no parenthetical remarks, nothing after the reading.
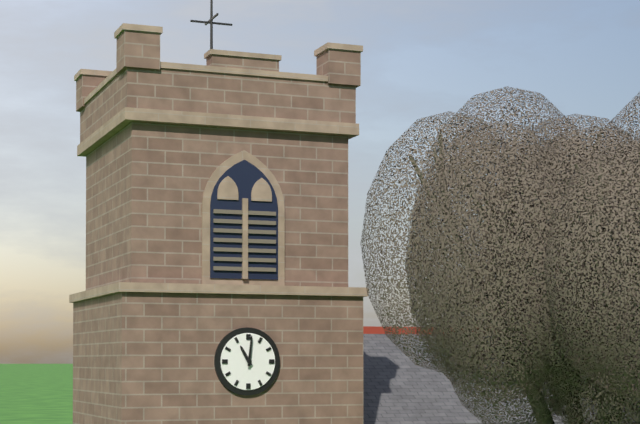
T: 11:01
